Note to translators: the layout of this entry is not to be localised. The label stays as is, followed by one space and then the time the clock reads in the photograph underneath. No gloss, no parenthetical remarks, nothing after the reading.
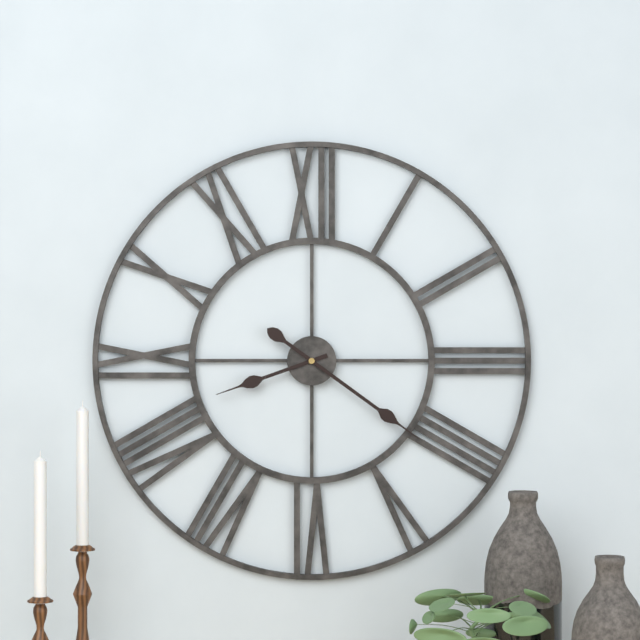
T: 8:21
